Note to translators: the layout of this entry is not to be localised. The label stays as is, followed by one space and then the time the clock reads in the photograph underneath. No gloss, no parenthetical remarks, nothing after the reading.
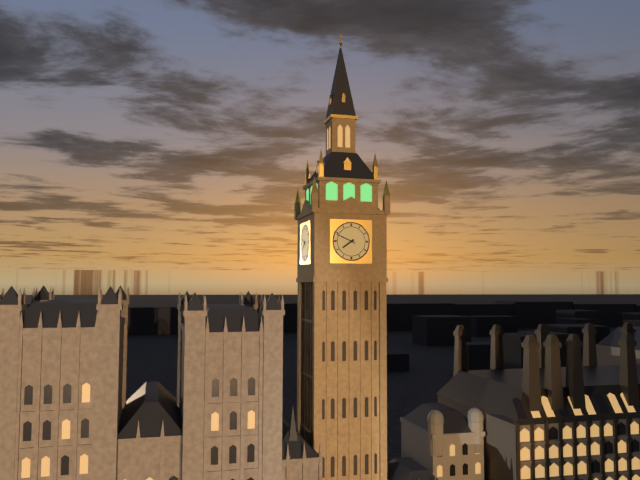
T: 7:49
